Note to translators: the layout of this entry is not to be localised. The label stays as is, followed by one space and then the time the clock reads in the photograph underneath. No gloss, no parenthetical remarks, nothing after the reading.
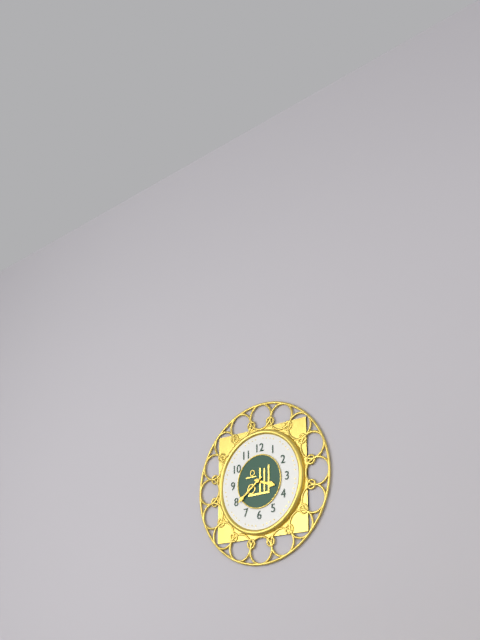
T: 3:39
